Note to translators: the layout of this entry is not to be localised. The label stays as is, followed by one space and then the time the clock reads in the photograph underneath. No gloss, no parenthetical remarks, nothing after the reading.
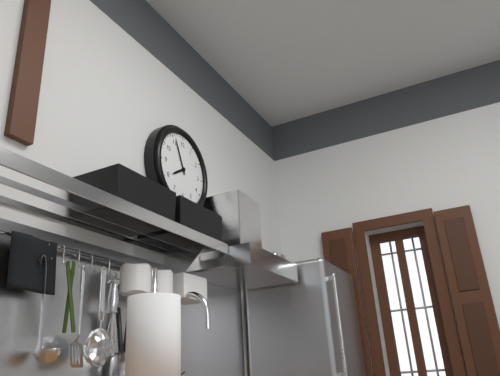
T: 7:56
